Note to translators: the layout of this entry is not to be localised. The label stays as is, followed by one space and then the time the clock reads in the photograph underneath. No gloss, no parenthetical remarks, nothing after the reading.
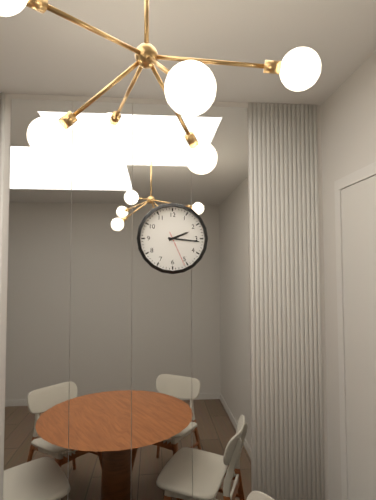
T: 2:16
